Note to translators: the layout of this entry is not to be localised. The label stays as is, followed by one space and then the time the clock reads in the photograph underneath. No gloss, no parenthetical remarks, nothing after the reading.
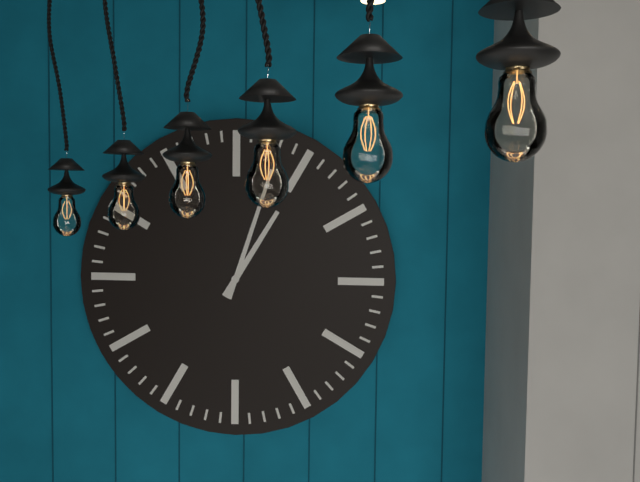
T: 1:03
